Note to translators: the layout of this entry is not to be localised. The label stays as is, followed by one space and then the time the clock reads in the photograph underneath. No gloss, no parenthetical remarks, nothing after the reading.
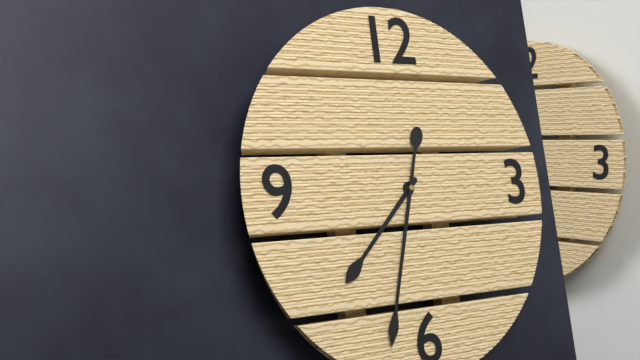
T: 7:33
